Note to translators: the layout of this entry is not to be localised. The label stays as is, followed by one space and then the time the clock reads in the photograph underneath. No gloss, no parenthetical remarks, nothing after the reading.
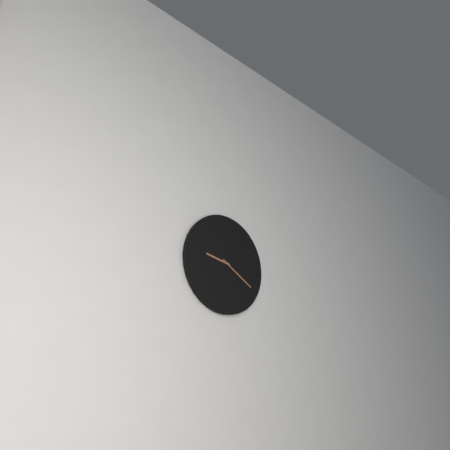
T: 9:20
